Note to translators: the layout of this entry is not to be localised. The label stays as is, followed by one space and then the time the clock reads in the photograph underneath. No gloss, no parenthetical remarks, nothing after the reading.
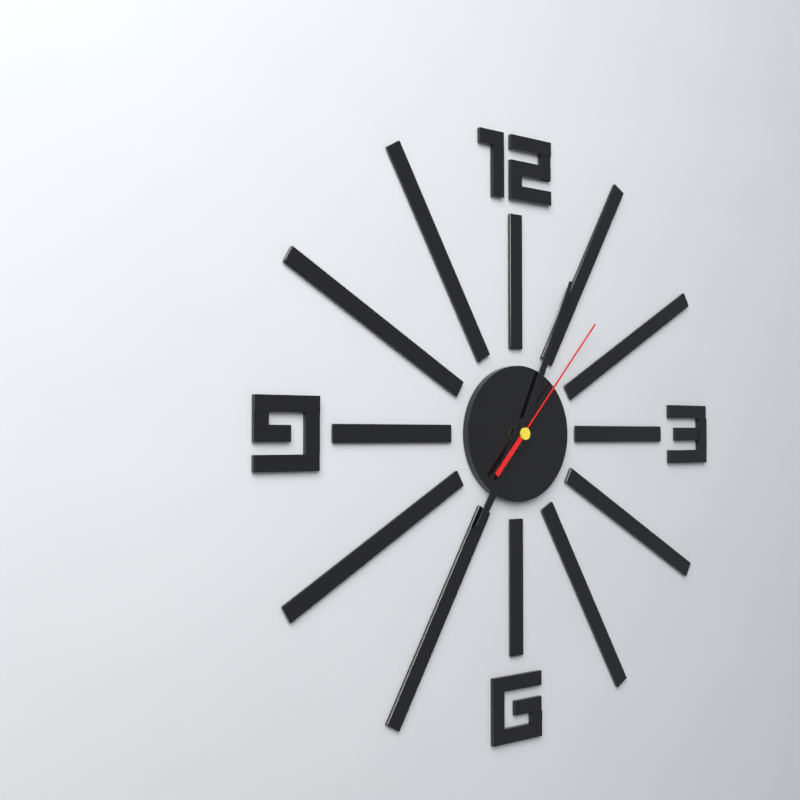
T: 7:04:07
